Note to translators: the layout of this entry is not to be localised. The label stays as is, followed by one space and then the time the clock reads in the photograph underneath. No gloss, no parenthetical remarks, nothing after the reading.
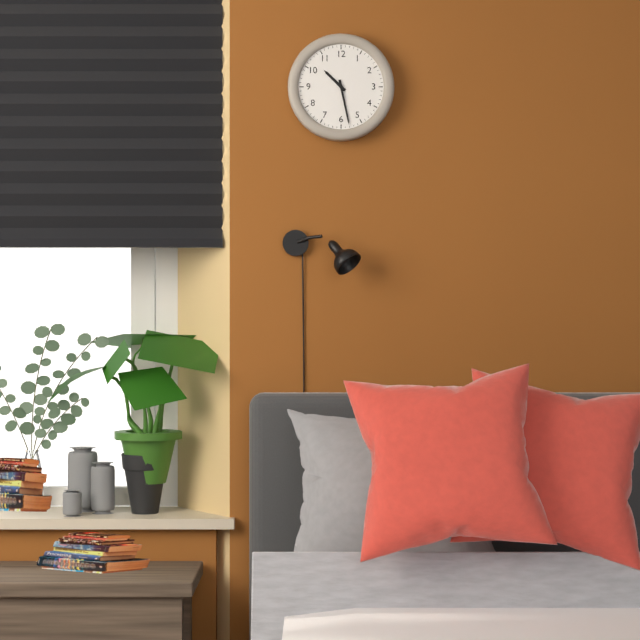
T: 10:28
